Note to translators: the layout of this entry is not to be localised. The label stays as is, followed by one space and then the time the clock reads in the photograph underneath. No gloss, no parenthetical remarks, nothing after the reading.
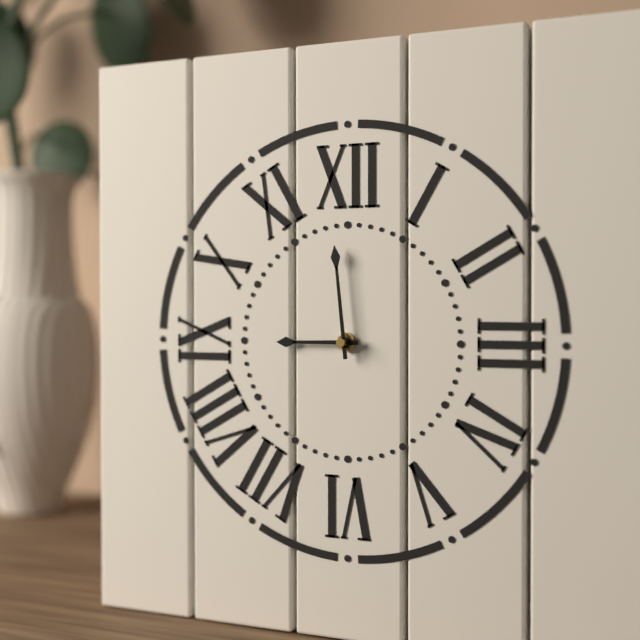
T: 8:59
